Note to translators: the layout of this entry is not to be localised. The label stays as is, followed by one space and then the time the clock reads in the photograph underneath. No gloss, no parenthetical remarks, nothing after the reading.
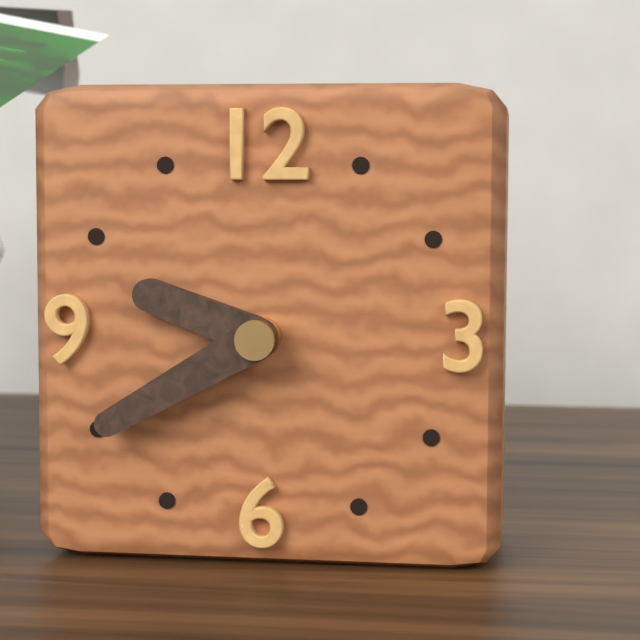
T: 9:40
